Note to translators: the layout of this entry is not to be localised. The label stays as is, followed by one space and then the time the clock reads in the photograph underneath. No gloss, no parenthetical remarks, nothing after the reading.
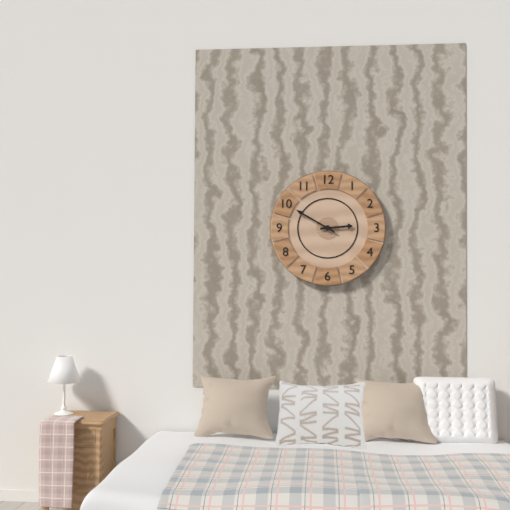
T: 2:50
